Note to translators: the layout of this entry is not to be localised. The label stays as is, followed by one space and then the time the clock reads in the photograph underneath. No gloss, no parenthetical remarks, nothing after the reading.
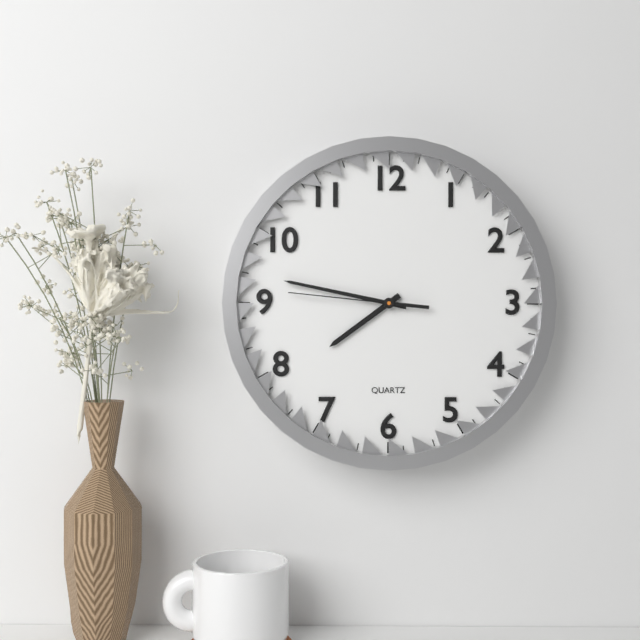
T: 7:47:46
